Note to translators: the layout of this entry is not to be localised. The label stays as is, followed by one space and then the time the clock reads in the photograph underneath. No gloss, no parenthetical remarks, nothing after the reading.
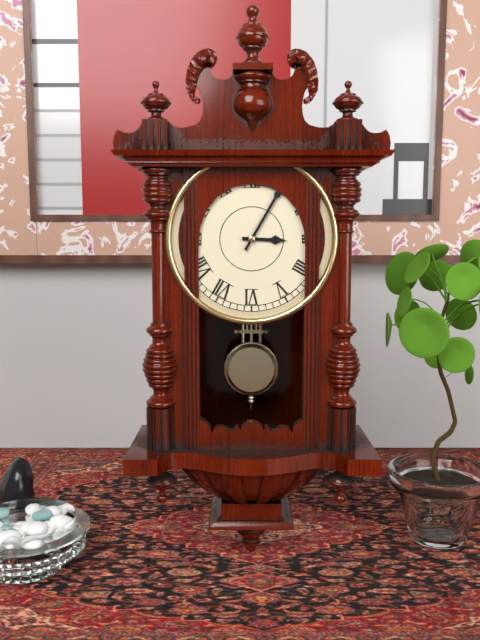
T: 3:05
